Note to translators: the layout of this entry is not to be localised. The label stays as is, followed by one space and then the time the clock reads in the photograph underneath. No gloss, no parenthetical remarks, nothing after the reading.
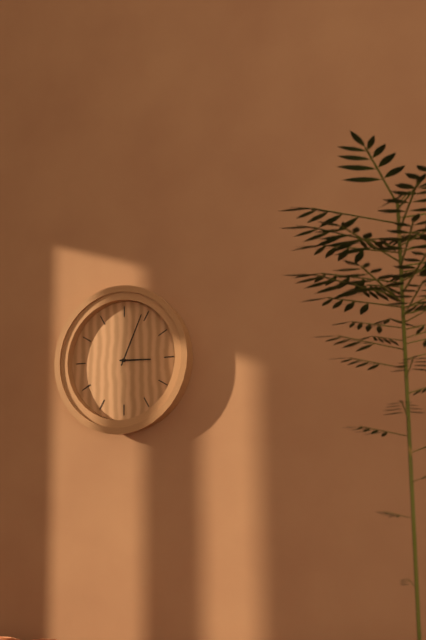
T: 3:04
